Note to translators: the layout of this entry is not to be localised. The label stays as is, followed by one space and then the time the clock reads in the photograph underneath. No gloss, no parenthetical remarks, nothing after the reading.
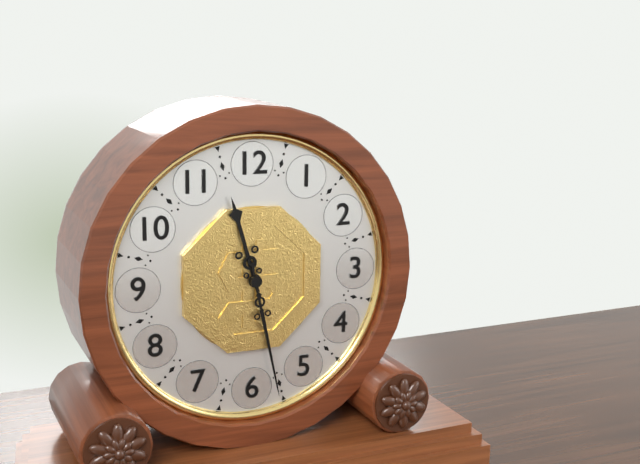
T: 11:28
